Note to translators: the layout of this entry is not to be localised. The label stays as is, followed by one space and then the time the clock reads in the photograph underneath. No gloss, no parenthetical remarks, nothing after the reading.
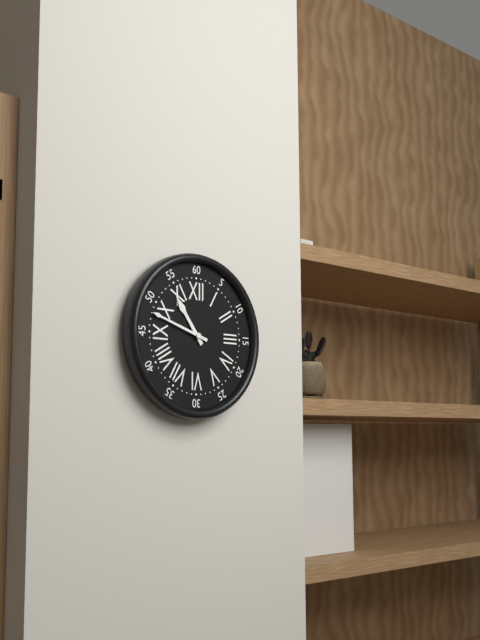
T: 10:48
